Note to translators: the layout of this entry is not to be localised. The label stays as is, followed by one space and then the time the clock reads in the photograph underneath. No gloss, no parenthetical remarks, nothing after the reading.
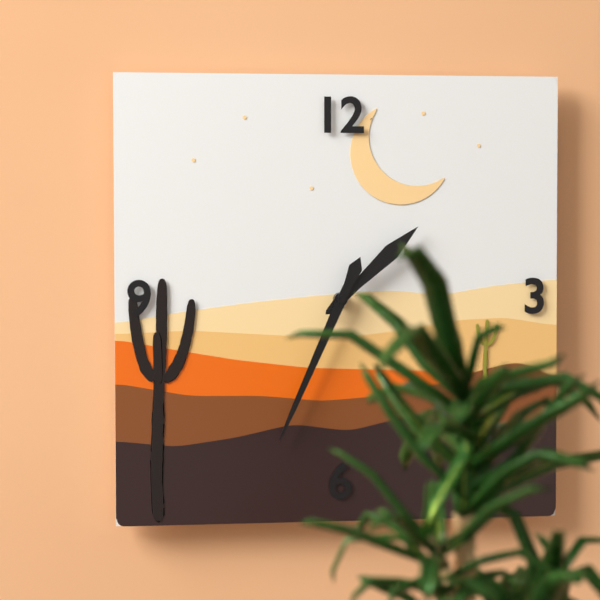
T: 1:34
